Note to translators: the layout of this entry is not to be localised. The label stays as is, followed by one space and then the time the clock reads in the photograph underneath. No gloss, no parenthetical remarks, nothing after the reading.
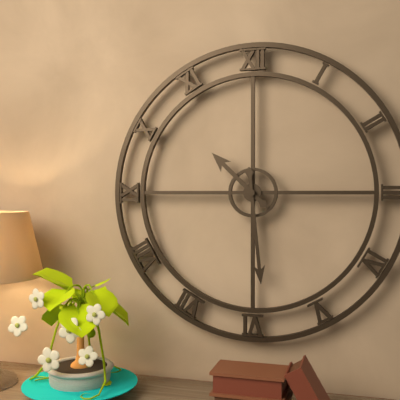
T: 10:29
